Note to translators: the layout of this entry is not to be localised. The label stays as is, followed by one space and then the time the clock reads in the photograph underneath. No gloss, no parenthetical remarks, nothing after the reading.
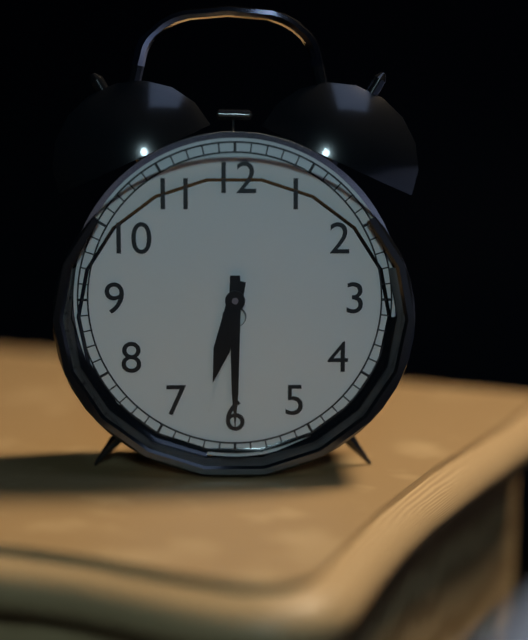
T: 6:30
